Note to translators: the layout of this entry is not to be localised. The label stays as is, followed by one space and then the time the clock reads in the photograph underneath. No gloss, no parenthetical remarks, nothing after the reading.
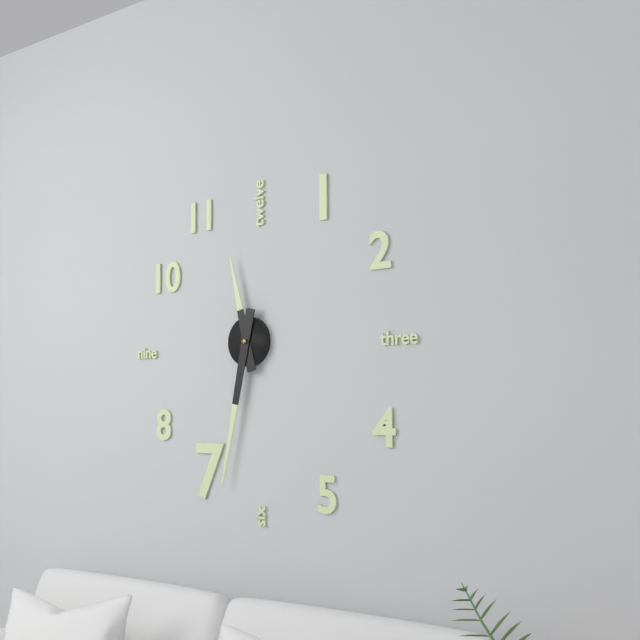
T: 11:32
